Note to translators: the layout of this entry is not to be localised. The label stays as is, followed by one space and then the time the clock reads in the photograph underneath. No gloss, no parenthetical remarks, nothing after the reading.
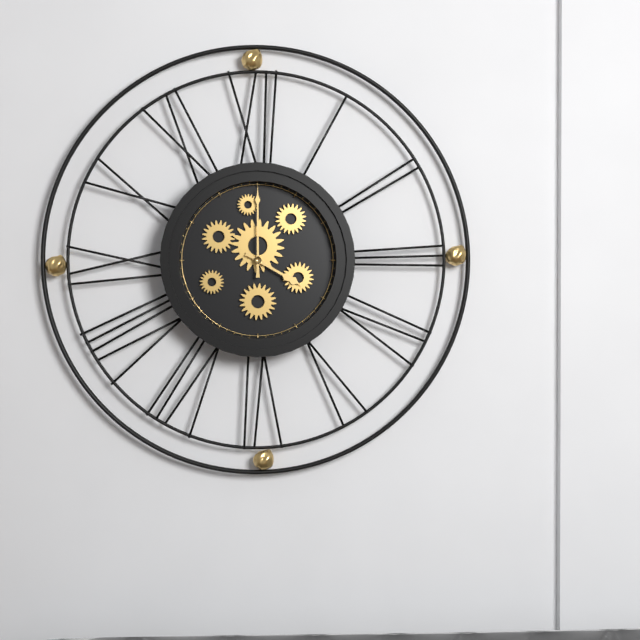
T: 4:00
